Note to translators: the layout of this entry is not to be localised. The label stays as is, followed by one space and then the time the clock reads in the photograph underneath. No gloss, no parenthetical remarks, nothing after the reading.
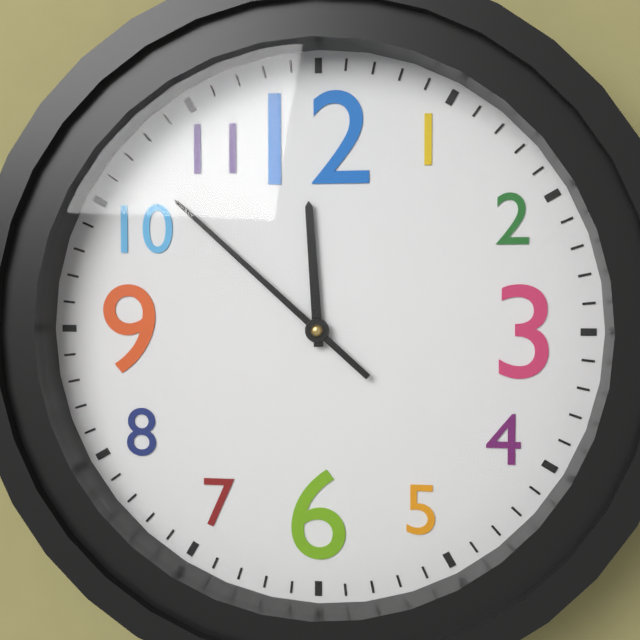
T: 11:52
